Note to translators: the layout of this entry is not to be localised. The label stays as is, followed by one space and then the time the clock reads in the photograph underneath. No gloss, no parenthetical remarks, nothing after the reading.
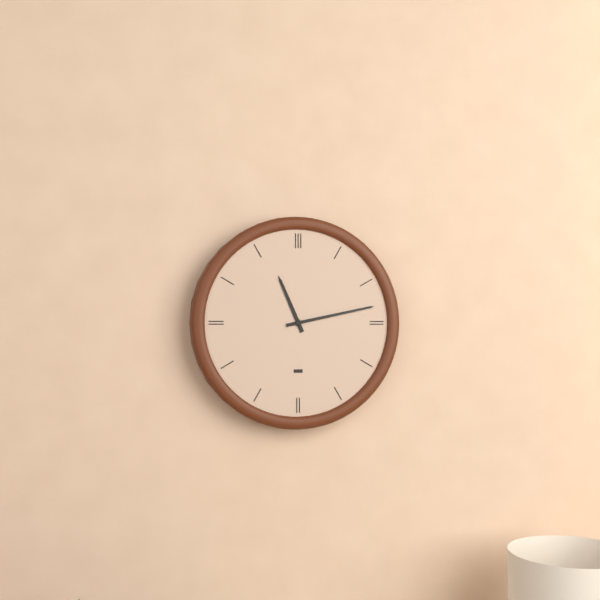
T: 11:13
